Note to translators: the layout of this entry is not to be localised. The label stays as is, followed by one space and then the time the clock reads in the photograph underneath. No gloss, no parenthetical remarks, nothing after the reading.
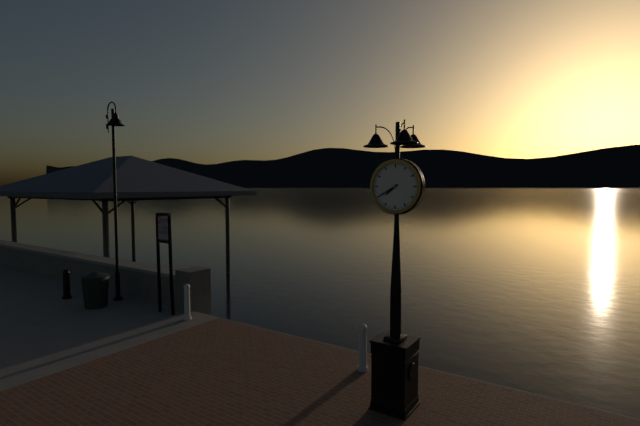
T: 7:40
